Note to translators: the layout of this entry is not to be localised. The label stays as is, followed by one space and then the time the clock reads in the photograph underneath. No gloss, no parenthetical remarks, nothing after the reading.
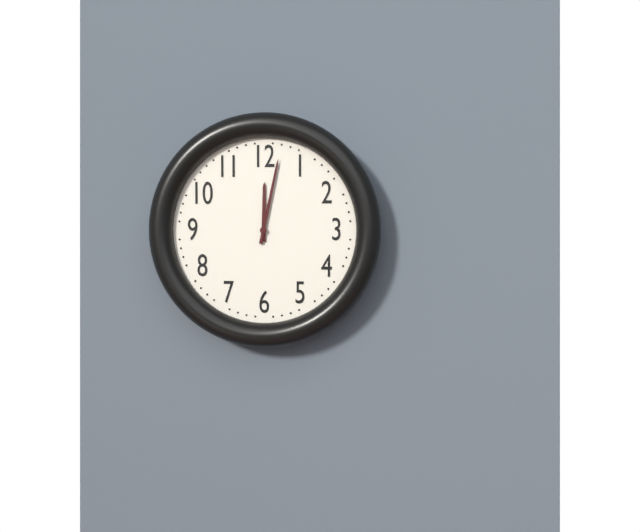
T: 12:02
